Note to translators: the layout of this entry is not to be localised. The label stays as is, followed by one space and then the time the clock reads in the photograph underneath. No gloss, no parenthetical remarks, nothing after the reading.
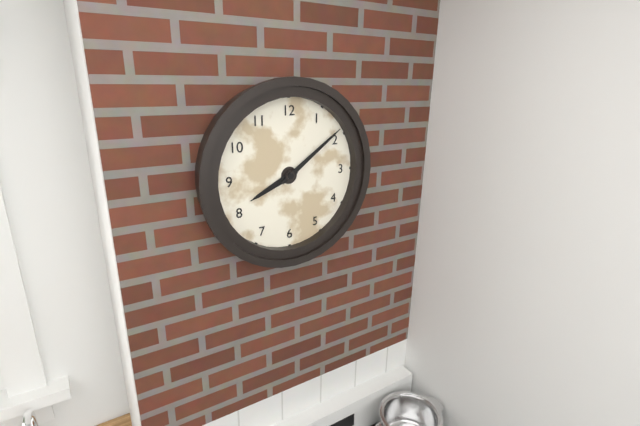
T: 8:09
